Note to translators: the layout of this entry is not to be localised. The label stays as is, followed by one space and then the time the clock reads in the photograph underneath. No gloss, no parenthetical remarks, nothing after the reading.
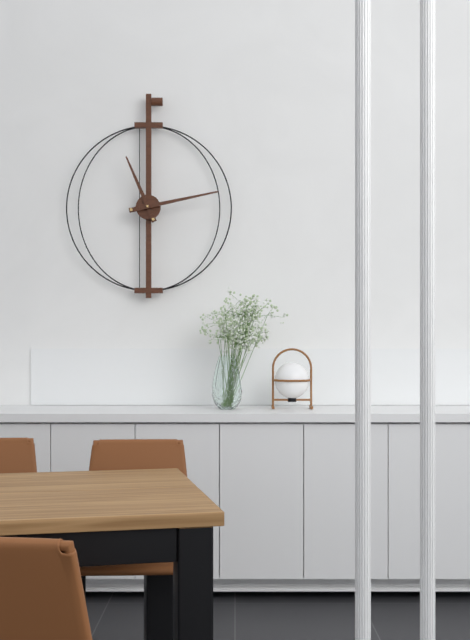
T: 11:13
